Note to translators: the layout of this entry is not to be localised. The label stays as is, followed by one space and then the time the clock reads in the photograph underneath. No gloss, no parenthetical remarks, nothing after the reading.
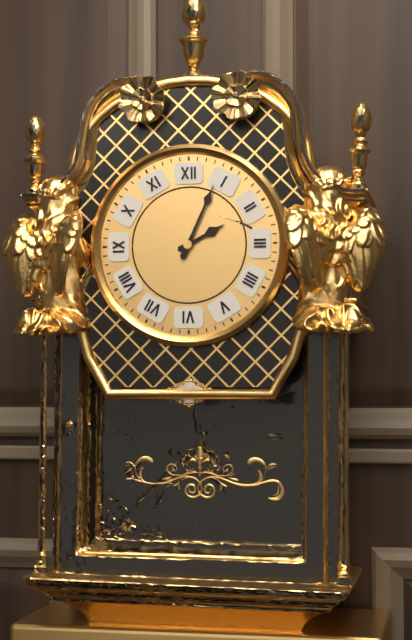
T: 2:04
